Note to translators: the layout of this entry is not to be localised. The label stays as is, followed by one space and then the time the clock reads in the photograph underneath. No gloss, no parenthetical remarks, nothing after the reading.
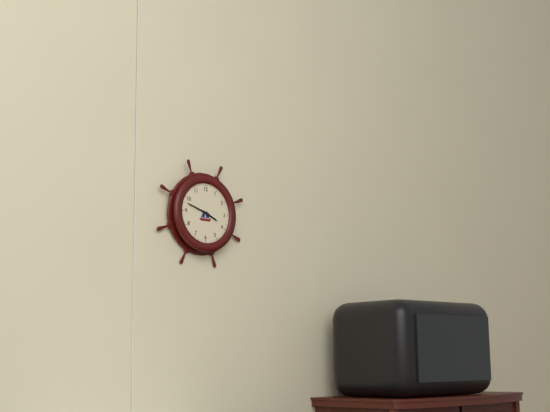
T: 3:48
